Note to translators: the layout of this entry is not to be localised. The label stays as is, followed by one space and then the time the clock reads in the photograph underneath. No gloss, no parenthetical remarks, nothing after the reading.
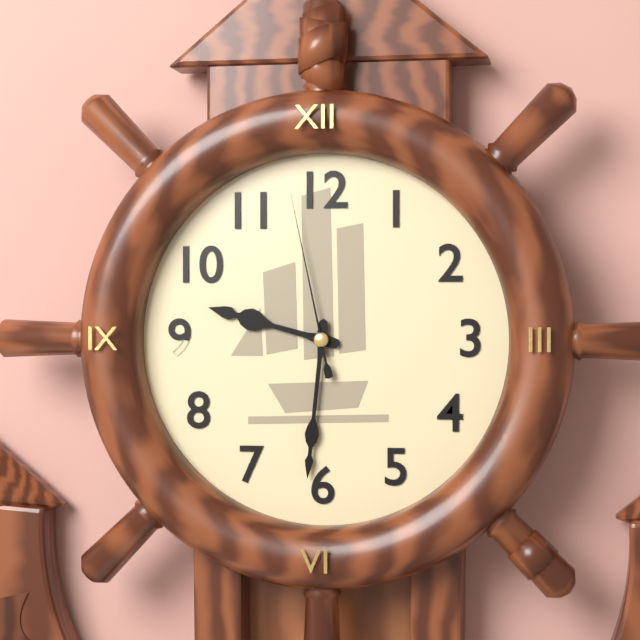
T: 9:31:58
